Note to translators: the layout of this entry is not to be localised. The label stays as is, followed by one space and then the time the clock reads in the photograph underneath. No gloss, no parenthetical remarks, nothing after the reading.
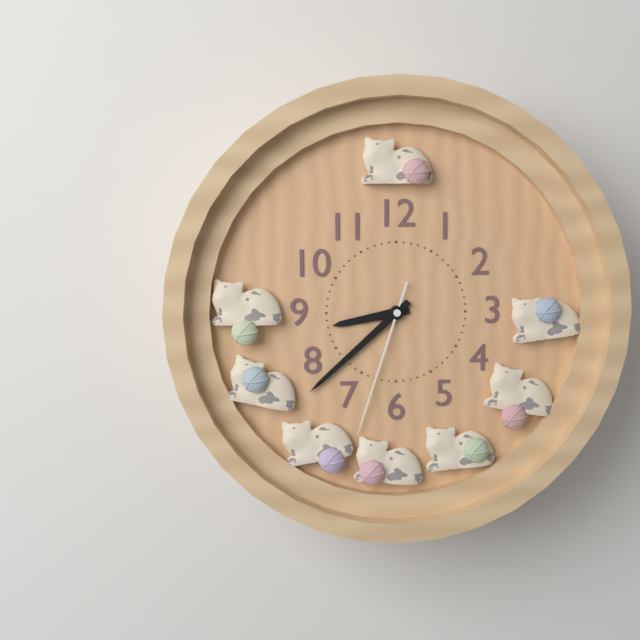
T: 8:38:33
